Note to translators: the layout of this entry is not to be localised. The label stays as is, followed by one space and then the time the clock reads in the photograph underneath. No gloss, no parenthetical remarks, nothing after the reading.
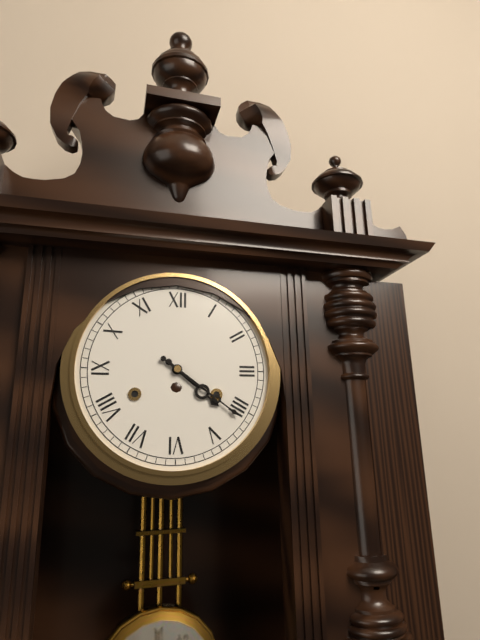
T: 4:21
